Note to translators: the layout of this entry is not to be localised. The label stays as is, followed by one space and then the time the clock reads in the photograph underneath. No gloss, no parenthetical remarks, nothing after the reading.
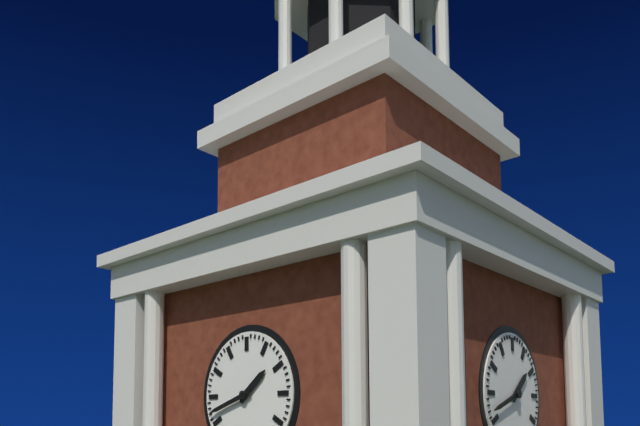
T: 1:42
